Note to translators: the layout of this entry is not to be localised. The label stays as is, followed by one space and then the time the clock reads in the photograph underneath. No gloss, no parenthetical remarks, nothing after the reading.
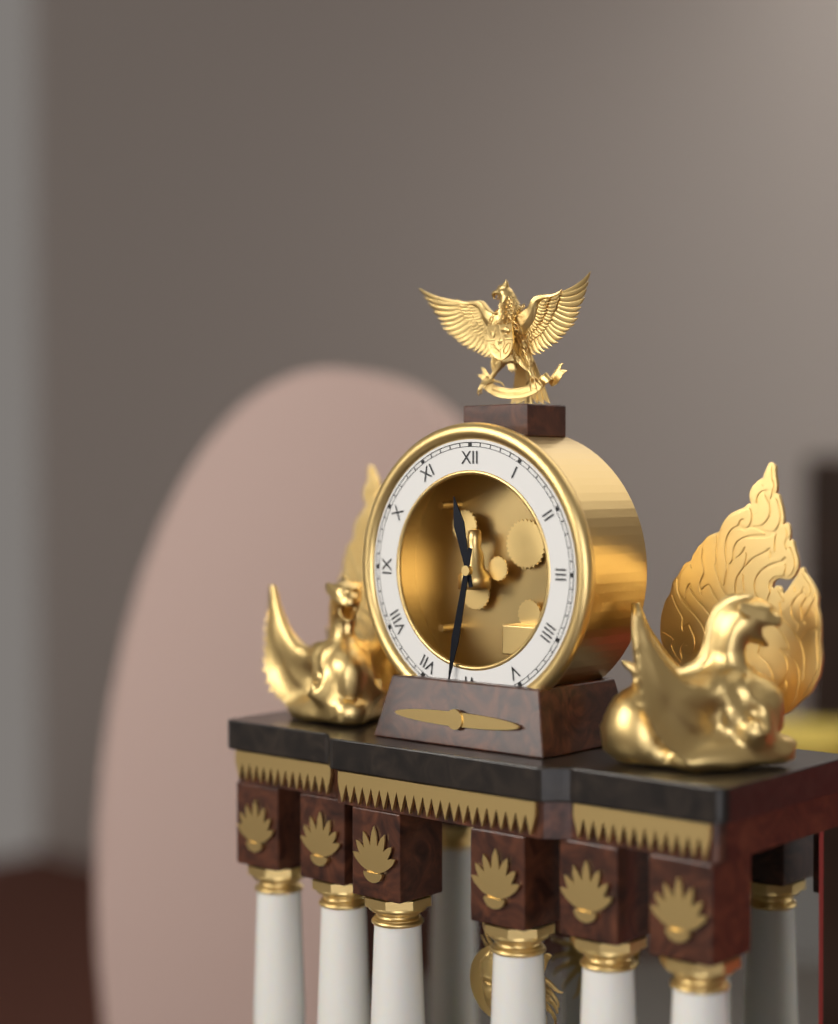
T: 11:32
